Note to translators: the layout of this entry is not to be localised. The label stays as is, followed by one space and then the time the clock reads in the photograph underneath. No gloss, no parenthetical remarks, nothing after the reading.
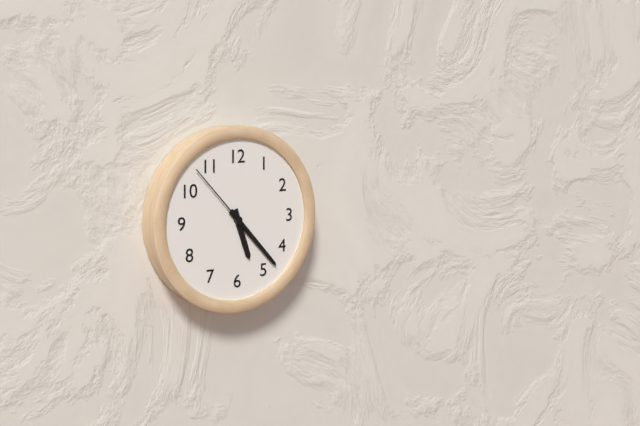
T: 5:23:53
